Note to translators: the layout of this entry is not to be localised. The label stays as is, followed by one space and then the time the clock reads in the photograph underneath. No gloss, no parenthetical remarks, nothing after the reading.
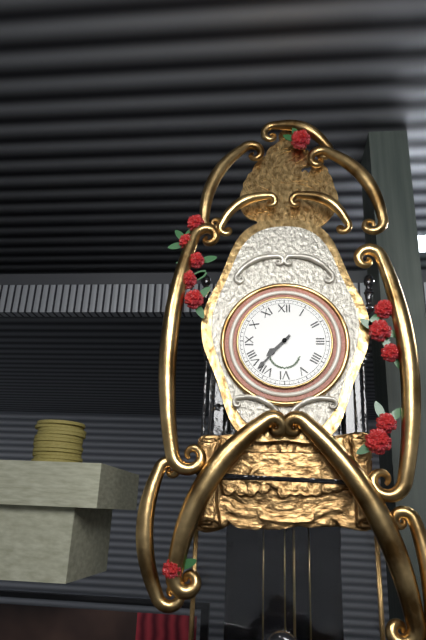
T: 7:37
